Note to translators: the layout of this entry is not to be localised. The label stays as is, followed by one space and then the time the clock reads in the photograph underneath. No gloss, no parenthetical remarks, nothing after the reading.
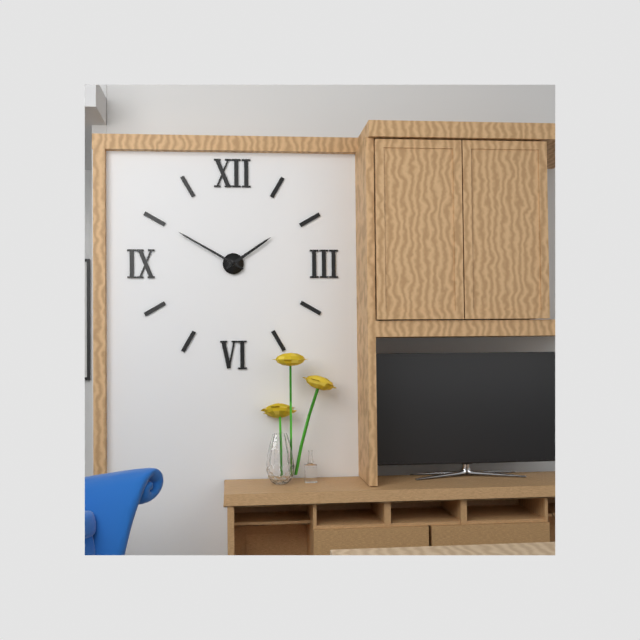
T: 1:50
